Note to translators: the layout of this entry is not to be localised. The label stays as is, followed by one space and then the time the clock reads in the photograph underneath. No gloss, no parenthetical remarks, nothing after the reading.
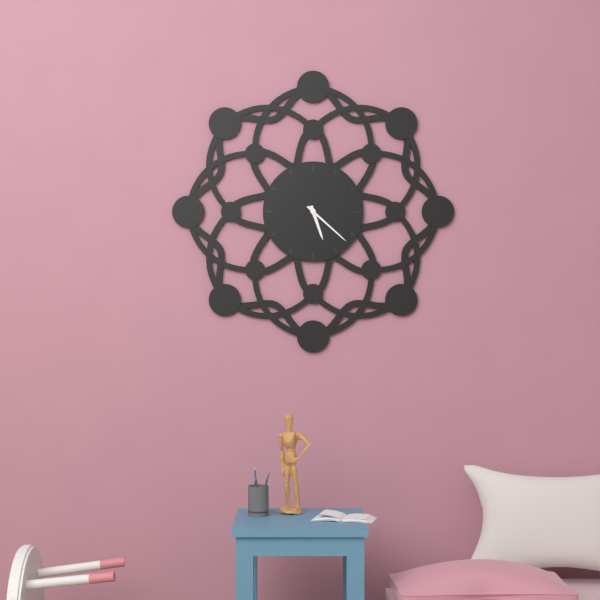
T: 5:22
